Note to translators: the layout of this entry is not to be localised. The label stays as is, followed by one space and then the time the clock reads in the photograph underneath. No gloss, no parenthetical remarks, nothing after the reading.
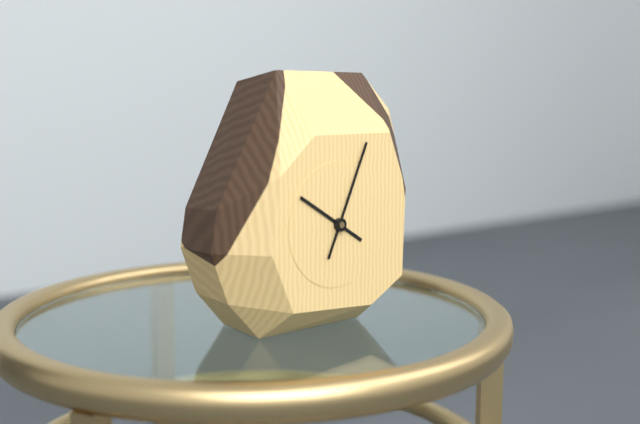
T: 10:04
